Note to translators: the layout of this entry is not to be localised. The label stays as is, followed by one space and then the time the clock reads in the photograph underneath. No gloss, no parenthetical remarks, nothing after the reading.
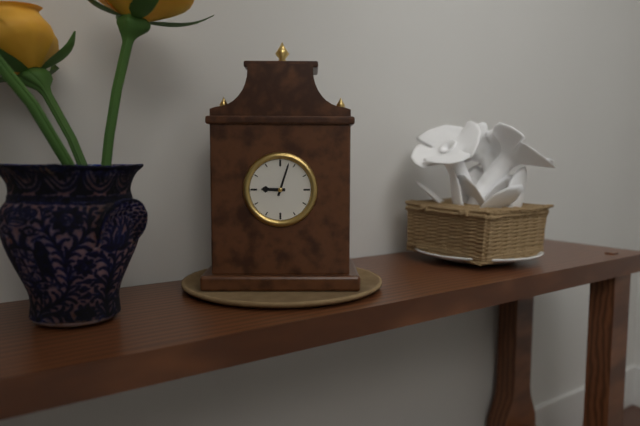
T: 9:03
